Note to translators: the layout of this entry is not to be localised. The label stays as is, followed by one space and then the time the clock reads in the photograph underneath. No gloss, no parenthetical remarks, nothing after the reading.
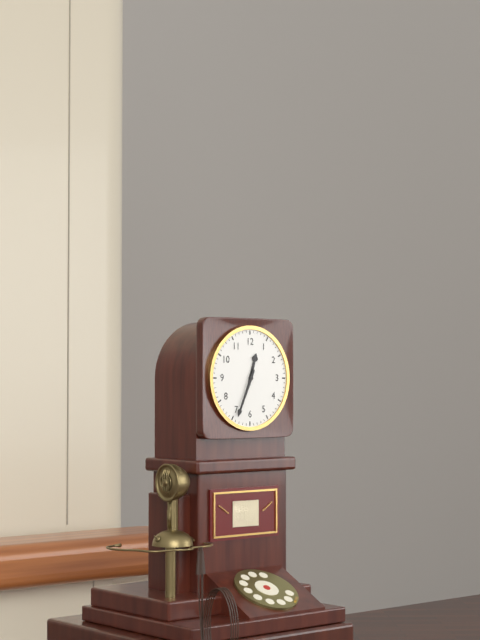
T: 12:34
